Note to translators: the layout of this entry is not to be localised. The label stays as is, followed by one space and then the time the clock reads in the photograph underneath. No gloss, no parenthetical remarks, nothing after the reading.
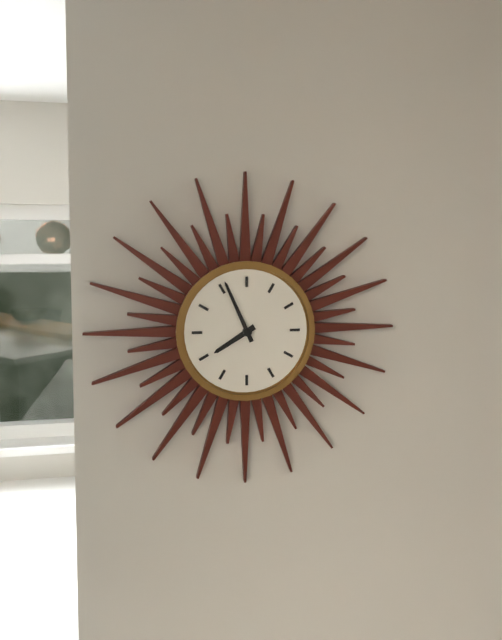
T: 7:56
